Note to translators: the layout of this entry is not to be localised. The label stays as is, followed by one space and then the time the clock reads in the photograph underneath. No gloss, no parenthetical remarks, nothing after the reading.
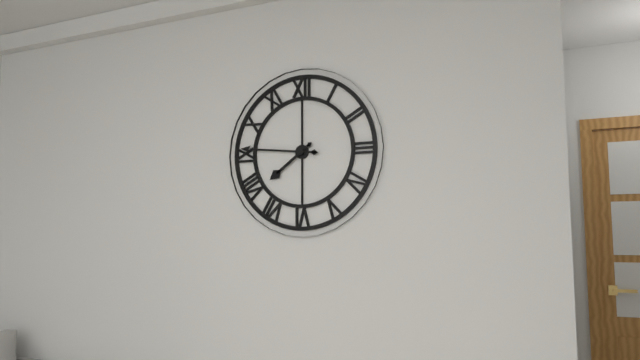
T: 7:46
